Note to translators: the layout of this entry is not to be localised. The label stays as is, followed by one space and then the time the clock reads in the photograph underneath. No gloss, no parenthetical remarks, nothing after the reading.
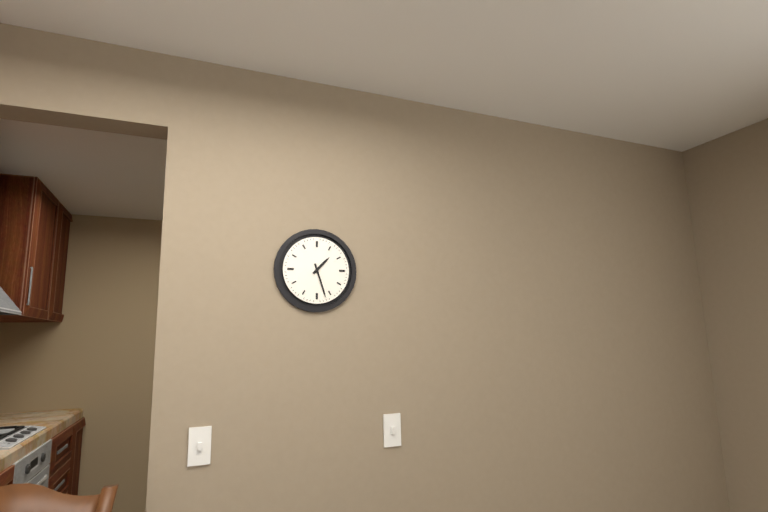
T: 1:27
